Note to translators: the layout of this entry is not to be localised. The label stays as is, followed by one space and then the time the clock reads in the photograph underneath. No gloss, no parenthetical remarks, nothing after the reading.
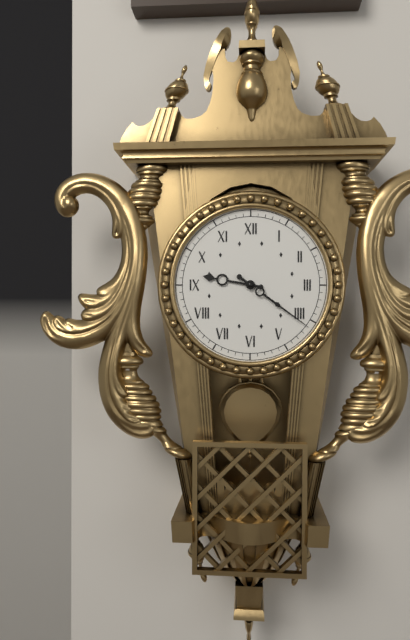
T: 9:21
